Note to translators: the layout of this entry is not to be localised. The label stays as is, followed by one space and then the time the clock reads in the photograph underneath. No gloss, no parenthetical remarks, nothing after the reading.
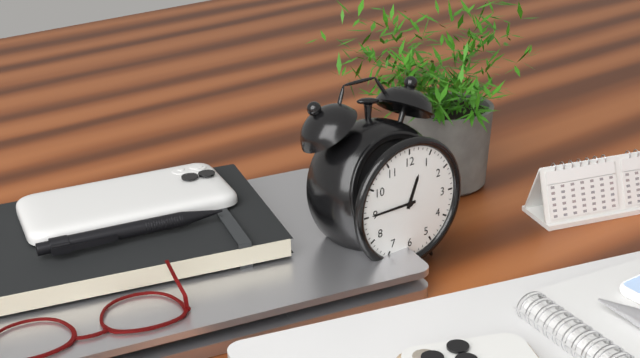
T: 12:45
